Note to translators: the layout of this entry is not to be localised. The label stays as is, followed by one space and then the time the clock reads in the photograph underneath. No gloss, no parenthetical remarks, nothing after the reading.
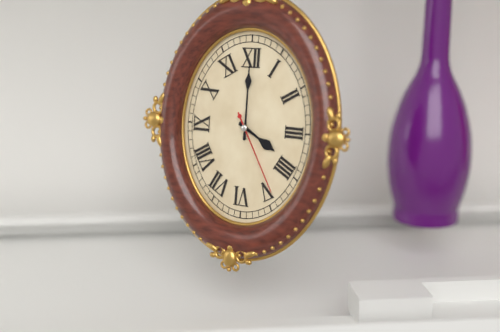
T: 4:00:25
